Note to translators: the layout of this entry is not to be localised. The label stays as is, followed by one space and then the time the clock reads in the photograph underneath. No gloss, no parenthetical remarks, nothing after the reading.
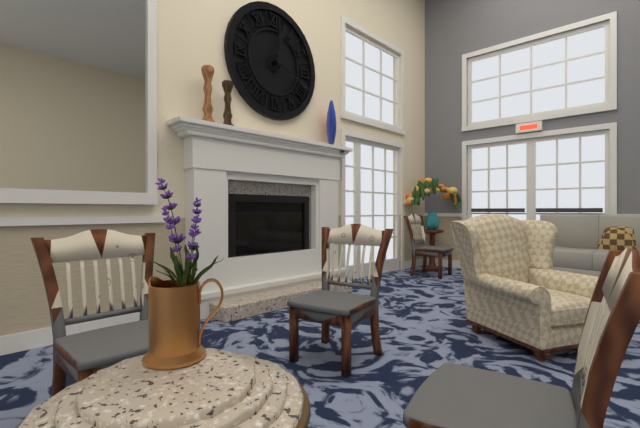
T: 12:19
